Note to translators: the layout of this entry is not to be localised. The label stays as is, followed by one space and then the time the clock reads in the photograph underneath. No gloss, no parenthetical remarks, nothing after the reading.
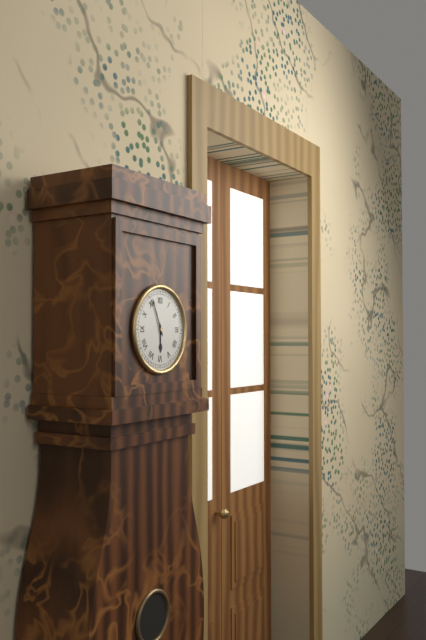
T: 5:56
